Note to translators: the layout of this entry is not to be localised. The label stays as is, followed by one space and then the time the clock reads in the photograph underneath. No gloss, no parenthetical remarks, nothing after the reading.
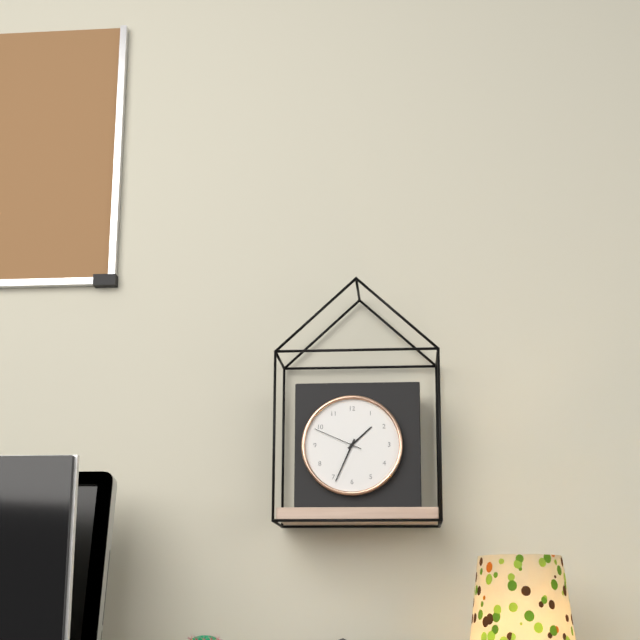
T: 1:34:49
